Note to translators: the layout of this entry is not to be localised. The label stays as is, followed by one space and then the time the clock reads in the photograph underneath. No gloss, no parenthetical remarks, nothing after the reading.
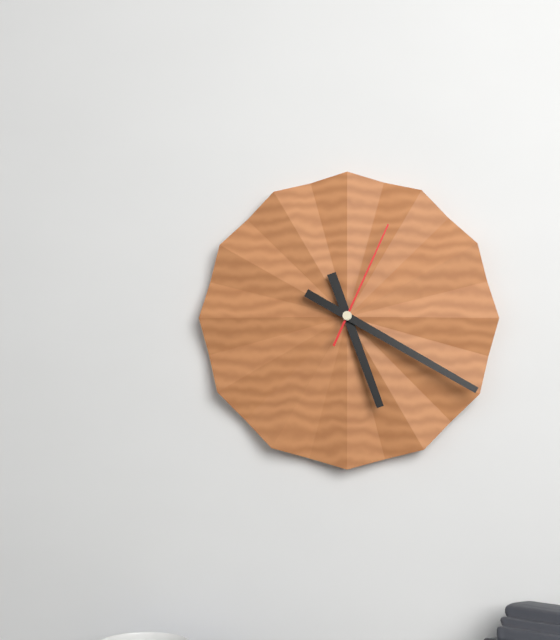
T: 5:20:04
